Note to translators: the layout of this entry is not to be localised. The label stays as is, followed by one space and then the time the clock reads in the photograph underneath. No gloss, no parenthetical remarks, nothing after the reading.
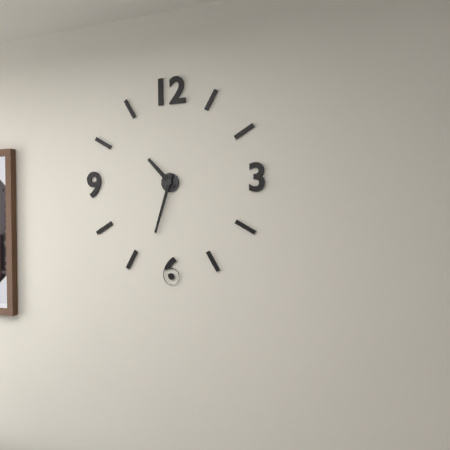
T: 10:33
